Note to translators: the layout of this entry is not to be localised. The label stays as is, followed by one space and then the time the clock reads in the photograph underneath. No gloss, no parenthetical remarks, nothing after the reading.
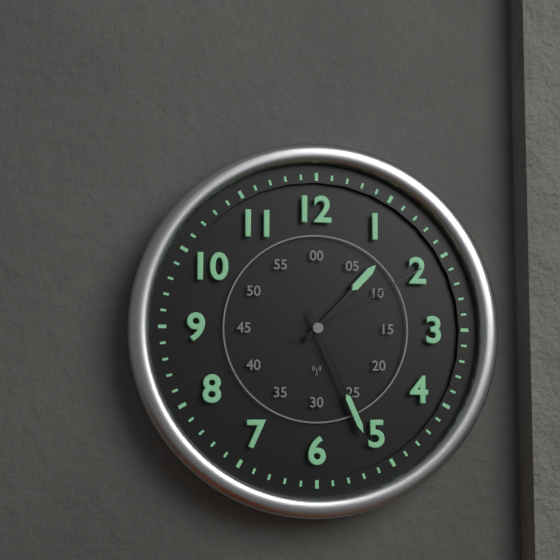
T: 1:26:10
